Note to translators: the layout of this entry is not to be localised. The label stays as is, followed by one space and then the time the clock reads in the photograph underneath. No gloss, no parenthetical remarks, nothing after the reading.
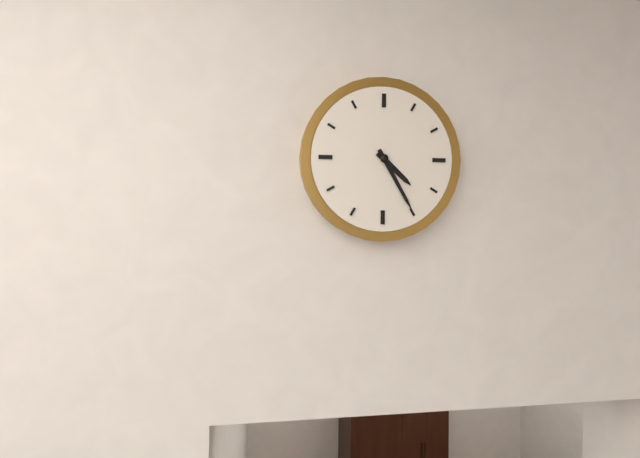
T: 4:25
